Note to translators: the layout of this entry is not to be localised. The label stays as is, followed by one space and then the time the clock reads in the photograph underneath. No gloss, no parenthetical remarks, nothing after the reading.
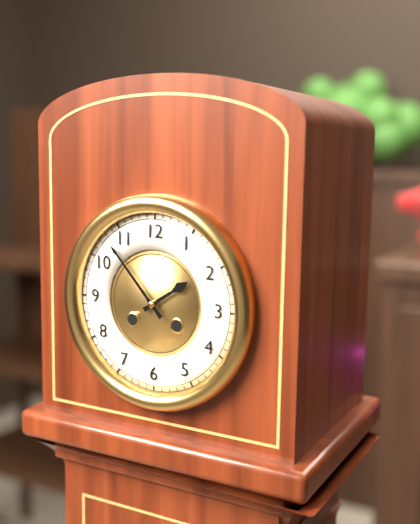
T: 1:53
